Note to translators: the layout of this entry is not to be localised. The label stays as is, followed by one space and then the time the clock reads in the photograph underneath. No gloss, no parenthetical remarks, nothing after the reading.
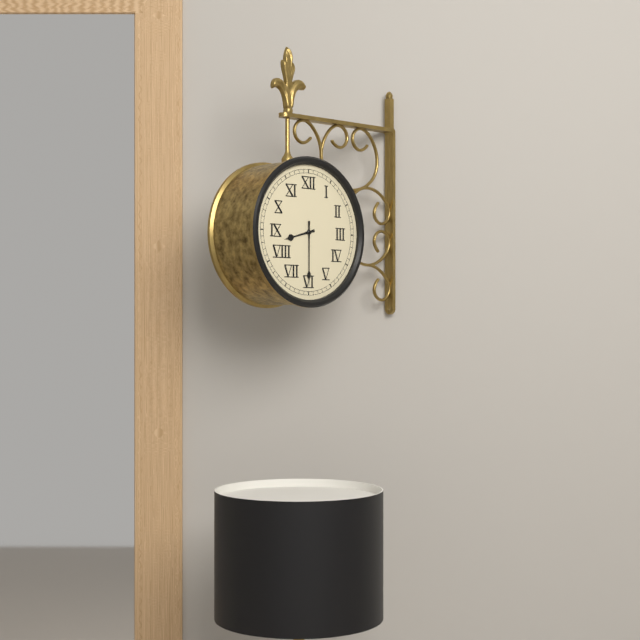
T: 8:30
